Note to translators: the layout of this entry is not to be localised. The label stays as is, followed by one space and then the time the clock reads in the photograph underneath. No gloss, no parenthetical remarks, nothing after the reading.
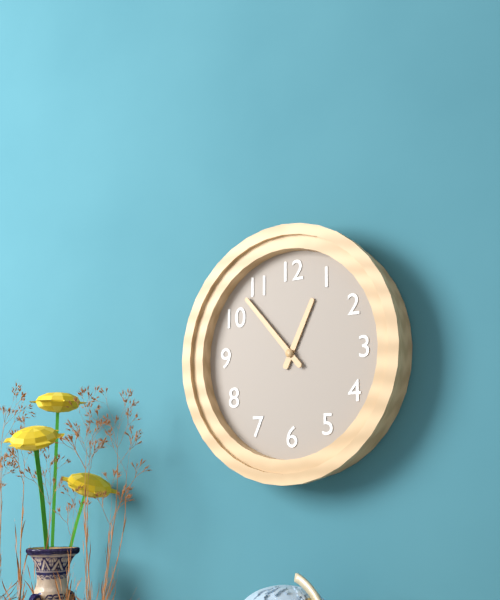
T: 12:53
